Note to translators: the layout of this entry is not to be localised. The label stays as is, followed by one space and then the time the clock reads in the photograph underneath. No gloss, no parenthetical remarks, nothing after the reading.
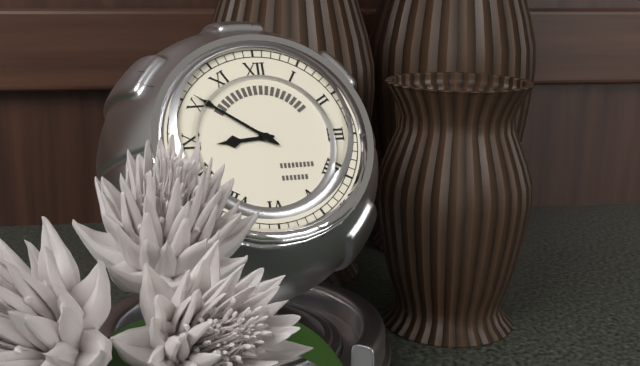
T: 8:51
